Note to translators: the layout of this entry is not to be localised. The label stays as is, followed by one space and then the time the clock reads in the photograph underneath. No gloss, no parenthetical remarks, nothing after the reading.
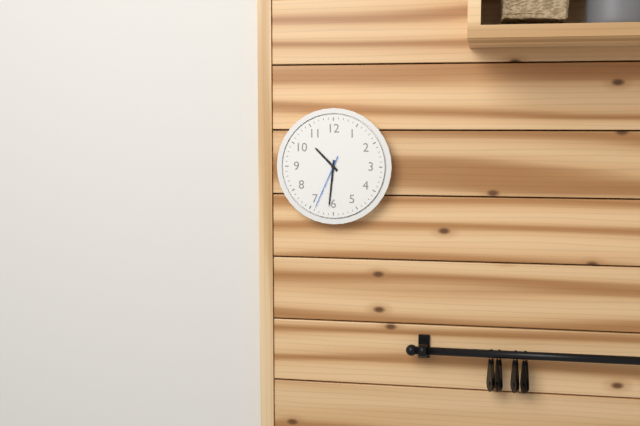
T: 10:31:34
